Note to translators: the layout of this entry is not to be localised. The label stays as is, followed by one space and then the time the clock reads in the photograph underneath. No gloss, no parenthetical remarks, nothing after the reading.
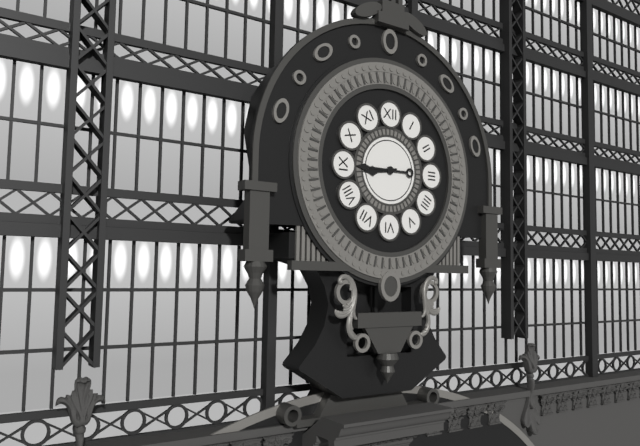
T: 8:45
